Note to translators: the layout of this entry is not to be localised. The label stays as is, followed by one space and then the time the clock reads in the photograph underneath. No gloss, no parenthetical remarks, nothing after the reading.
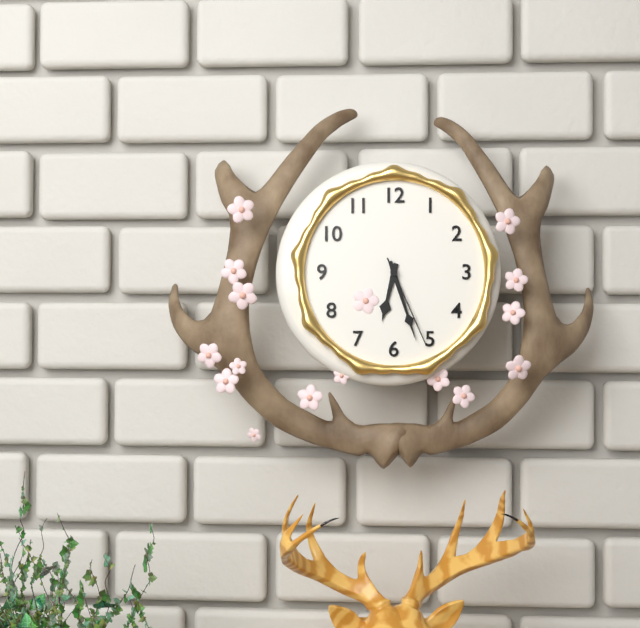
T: 6:27:26
